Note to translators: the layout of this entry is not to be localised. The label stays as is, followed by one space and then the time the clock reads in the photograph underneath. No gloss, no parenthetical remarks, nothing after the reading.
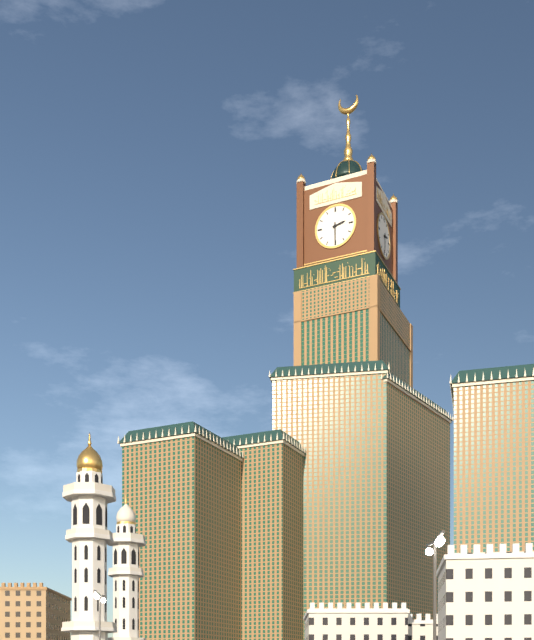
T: 2:30
